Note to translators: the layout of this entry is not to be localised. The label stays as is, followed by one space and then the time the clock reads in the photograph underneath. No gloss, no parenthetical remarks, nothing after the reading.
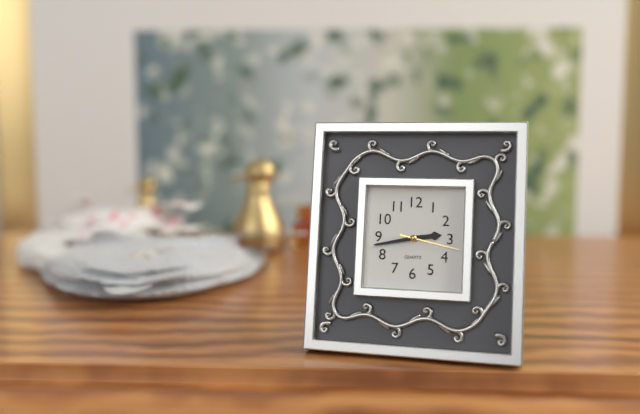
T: 2:43:17
